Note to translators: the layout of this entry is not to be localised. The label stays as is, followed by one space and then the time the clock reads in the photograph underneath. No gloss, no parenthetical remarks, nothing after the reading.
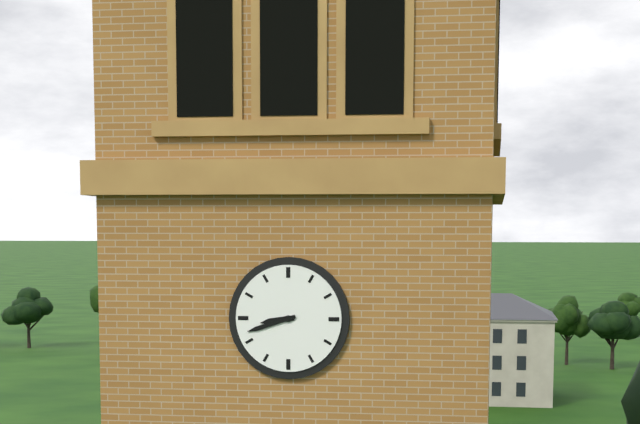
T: 8:42
